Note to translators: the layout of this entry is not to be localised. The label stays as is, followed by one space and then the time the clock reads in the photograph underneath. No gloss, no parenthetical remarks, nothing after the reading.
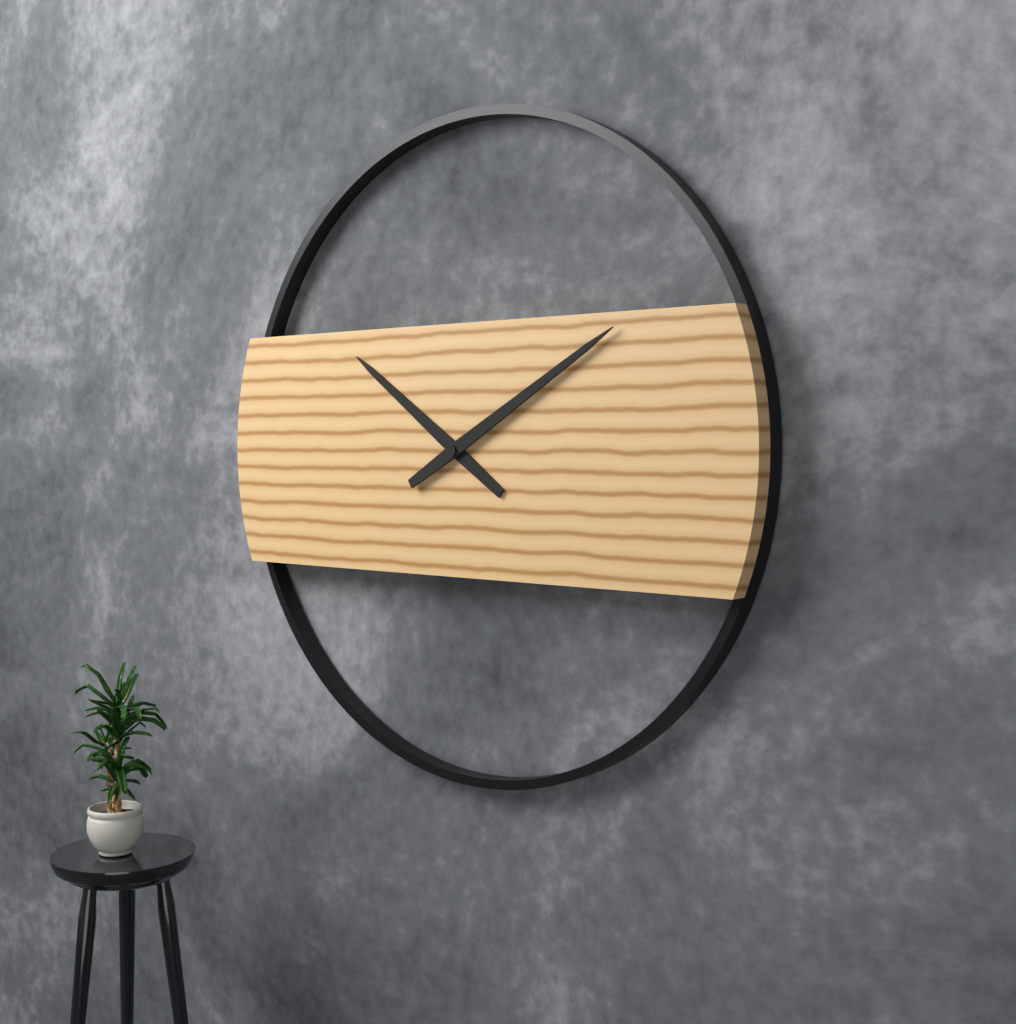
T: 10:10
